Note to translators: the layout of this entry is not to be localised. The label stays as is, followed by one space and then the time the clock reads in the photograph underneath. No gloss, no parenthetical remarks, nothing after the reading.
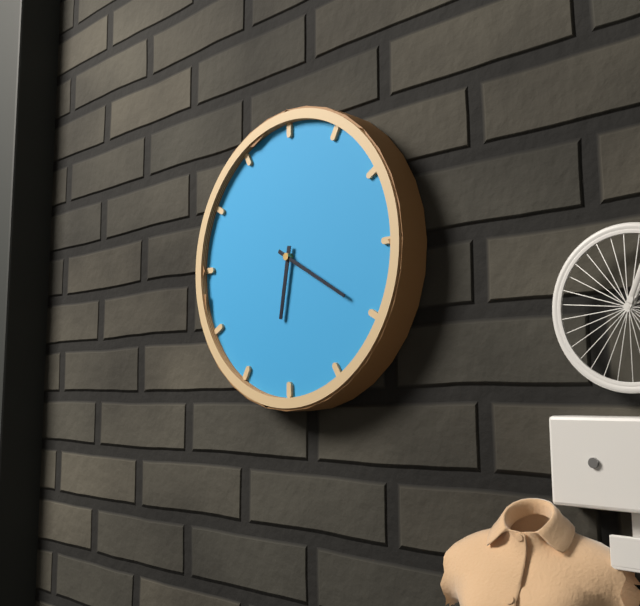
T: 6:20
